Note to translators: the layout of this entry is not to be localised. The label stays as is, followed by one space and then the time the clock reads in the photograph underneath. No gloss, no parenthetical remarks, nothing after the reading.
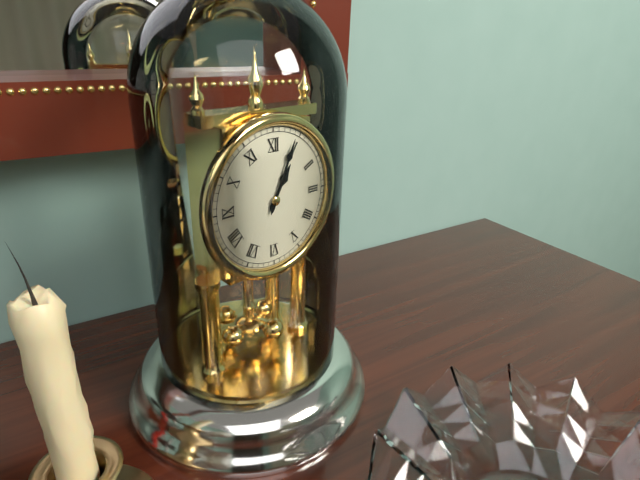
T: 1:04
